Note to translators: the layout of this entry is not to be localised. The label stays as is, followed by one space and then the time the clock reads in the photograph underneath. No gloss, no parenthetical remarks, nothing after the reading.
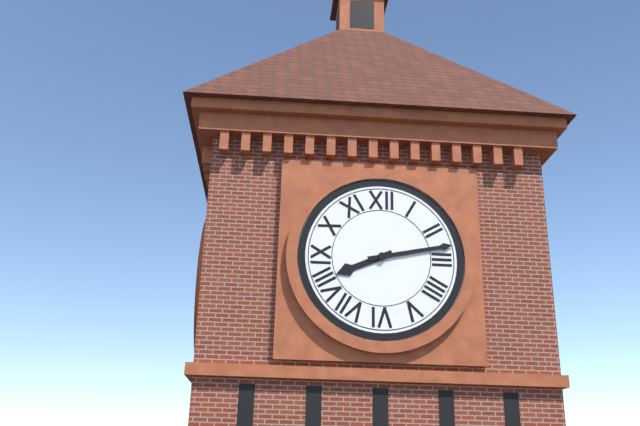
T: 8:13
